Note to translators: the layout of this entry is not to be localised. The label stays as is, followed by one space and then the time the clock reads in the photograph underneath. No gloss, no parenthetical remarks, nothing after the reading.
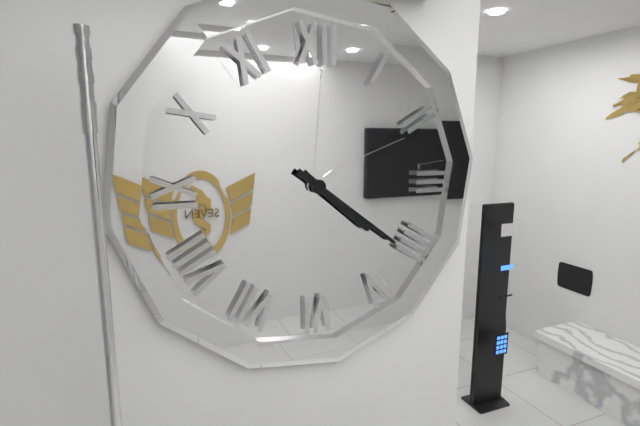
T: 4:21
